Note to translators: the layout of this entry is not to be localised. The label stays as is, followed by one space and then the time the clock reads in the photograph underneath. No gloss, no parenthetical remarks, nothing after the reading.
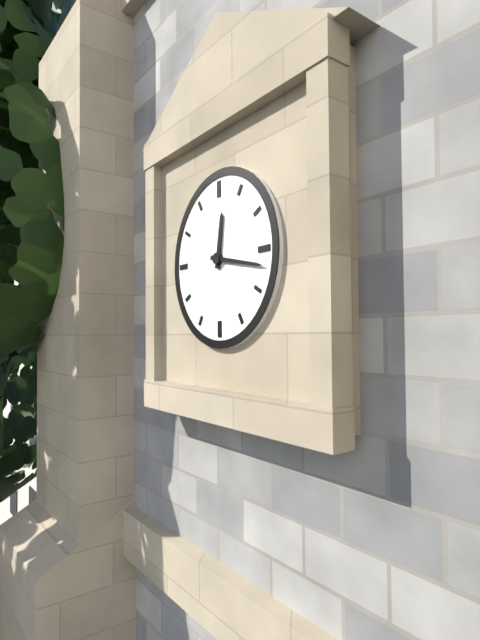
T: 12:17
